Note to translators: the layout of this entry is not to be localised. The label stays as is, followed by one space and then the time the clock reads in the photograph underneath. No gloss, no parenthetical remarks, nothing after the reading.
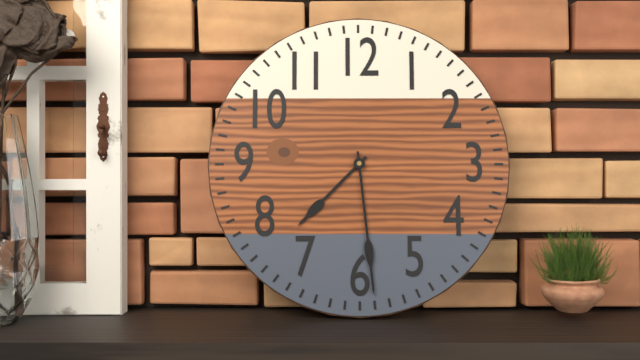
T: 7:29
